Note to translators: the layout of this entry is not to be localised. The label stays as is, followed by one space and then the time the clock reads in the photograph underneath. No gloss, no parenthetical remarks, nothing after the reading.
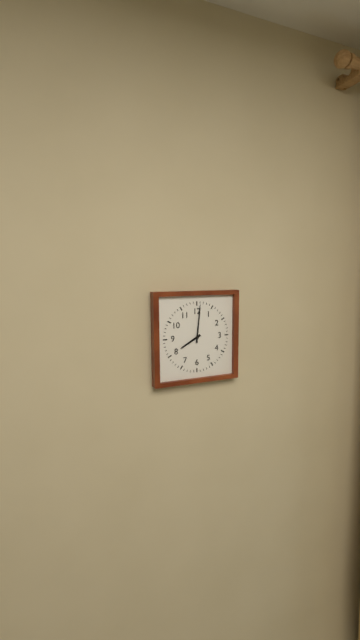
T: 8:01
